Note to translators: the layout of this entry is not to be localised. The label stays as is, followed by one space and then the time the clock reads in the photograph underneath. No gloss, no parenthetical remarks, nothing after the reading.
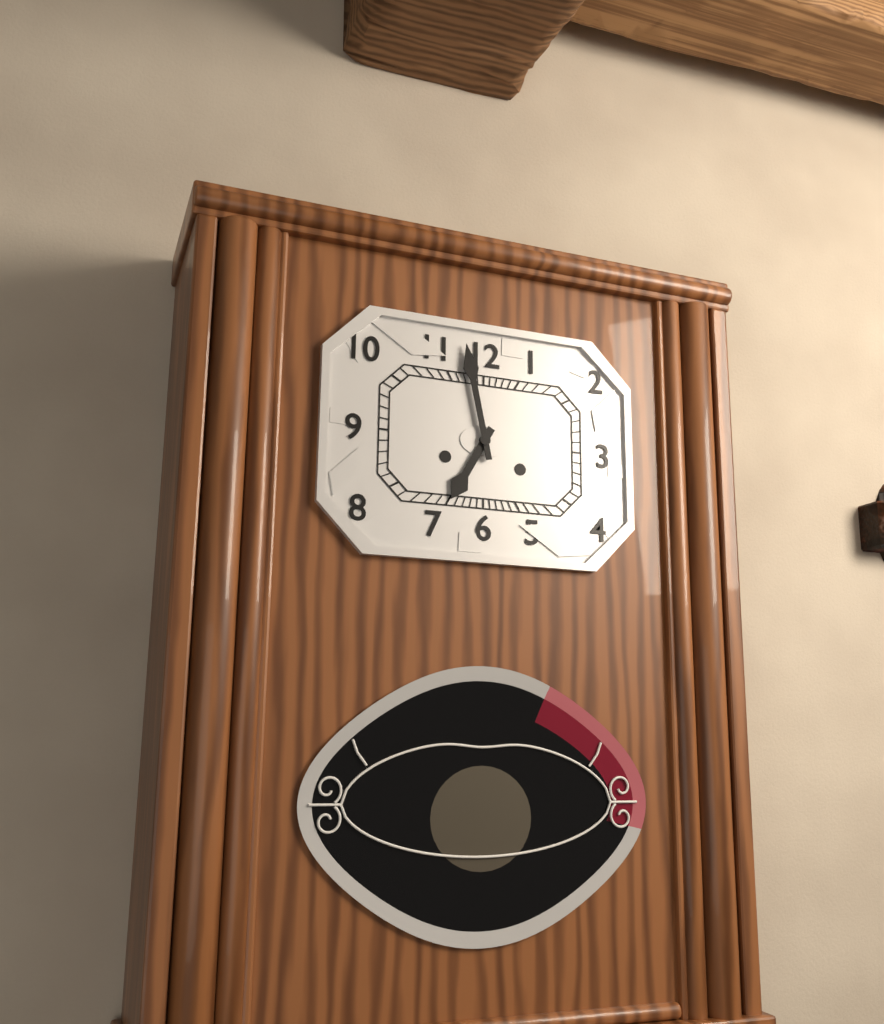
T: 6:58
